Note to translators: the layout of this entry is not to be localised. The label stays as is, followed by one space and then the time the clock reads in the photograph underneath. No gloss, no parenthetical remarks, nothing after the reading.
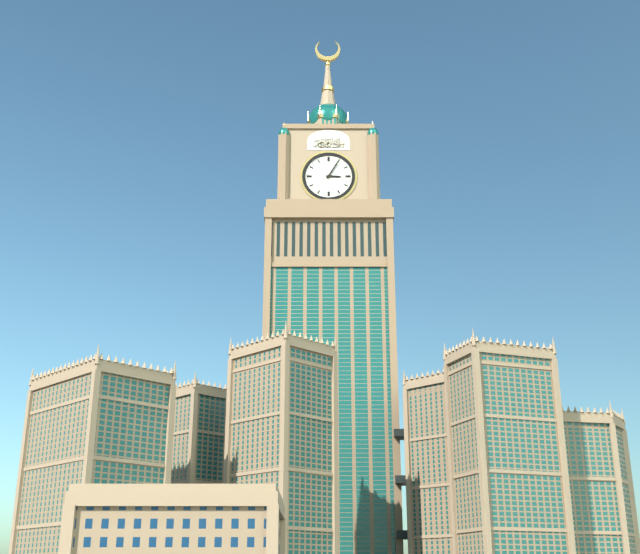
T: 3:05
